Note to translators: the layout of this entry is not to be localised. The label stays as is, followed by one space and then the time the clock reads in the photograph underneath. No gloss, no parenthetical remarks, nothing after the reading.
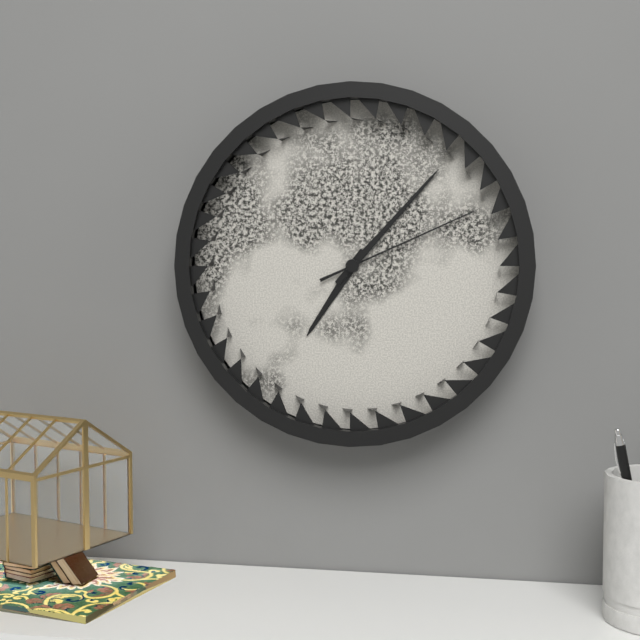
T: 7:07:11
